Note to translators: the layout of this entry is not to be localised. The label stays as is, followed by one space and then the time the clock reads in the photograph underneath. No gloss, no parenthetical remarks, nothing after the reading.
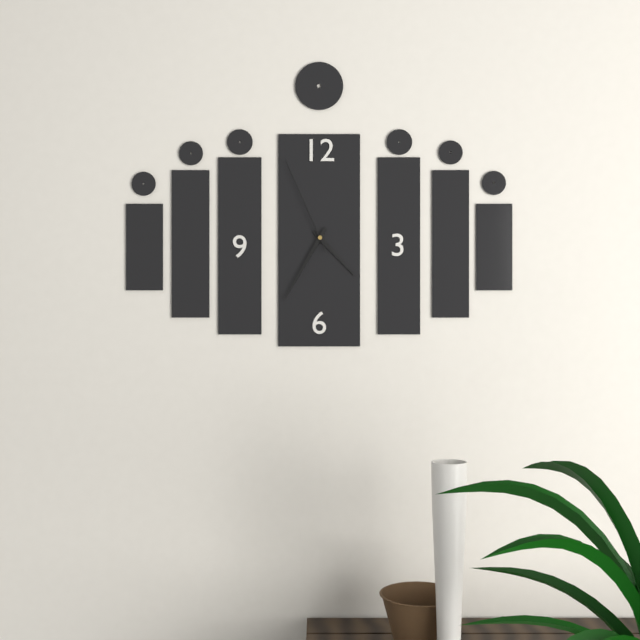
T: 4:35:56
